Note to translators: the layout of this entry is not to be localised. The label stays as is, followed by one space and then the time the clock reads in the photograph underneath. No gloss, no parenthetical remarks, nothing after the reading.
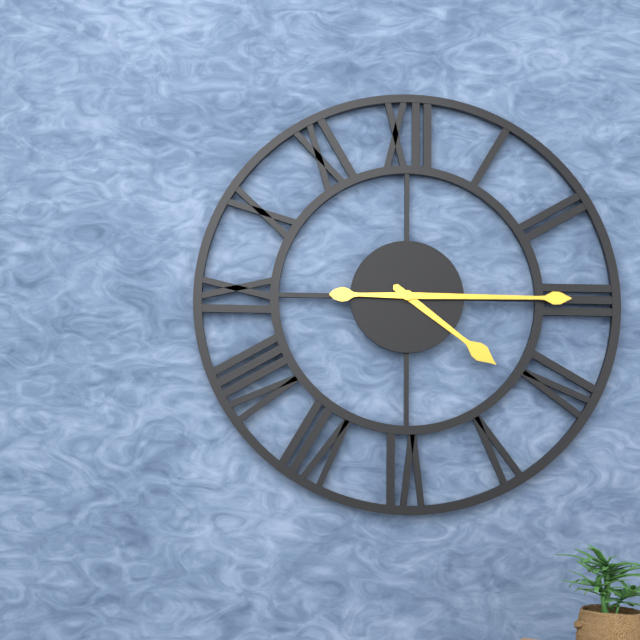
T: 4:15
